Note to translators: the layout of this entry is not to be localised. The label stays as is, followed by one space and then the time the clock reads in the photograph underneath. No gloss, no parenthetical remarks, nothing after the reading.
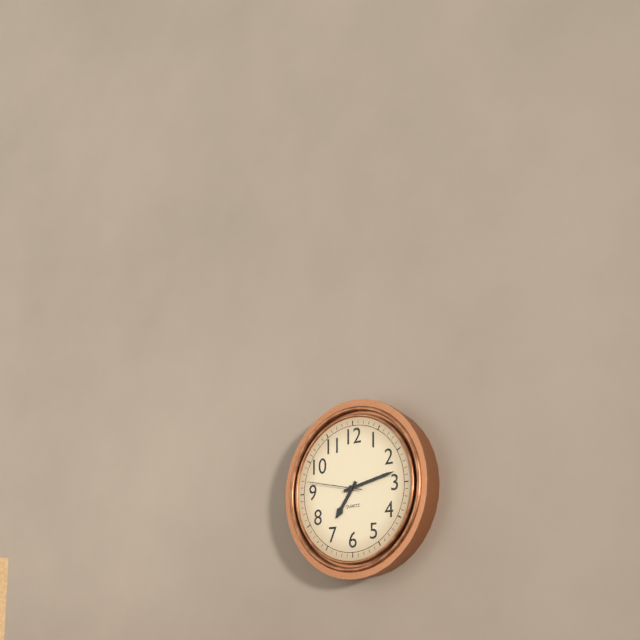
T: 7:13:47
